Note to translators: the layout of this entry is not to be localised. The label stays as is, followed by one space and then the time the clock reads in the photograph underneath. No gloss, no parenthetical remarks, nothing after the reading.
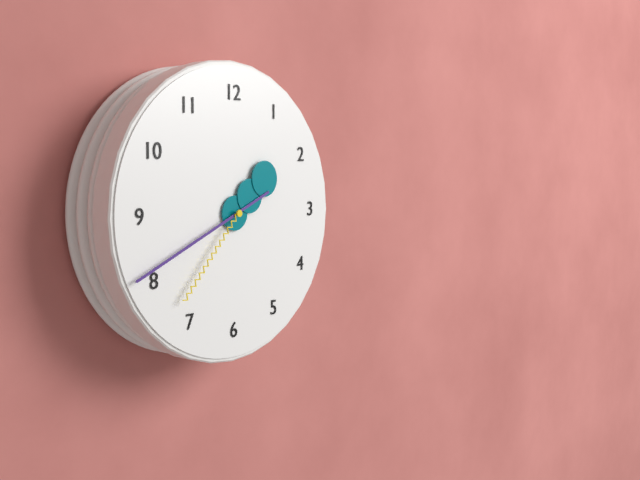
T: 1:41:37
